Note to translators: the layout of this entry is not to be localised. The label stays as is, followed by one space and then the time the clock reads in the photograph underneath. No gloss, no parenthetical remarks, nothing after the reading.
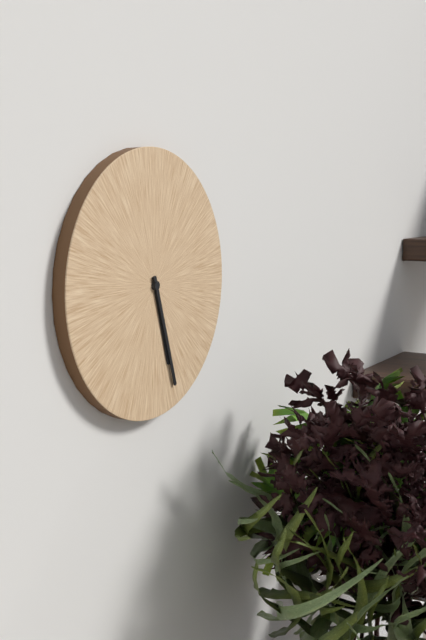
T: 5:27
